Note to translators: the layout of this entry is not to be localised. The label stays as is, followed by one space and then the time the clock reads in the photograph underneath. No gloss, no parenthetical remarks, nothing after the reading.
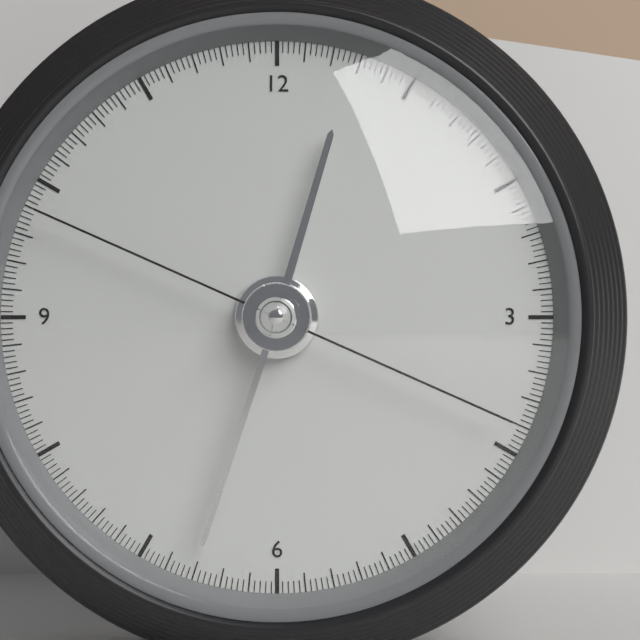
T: 12:33:19
